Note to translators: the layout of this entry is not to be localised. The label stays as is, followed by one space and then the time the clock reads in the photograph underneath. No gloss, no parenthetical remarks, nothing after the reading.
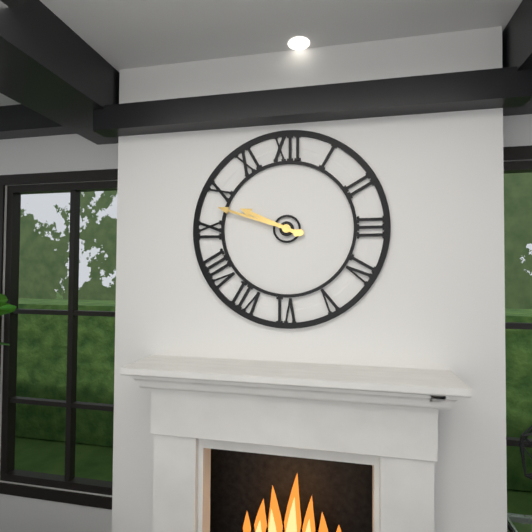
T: 9:48
